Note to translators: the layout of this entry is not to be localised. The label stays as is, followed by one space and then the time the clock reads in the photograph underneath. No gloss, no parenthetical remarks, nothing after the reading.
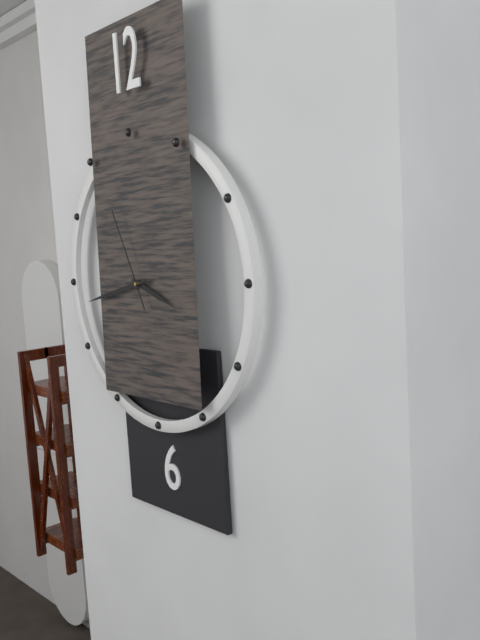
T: 3:43:56
